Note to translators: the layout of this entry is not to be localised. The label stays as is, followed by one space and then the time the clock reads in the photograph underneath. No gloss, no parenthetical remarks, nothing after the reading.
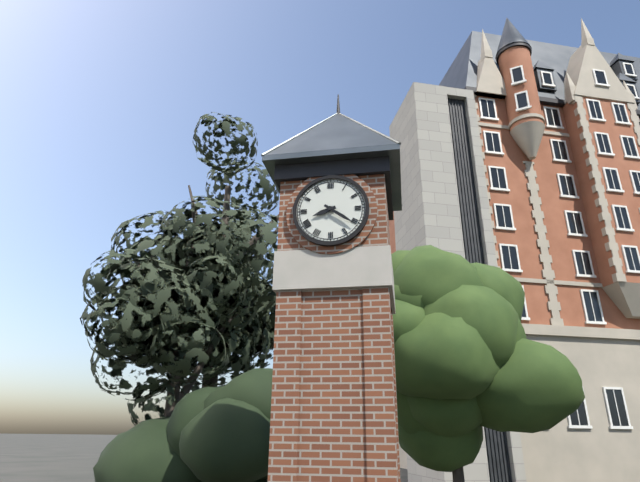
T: 8:21
